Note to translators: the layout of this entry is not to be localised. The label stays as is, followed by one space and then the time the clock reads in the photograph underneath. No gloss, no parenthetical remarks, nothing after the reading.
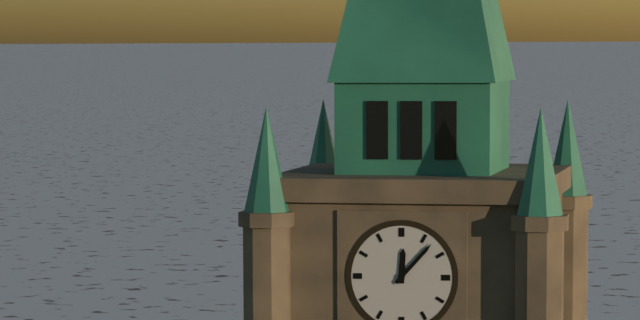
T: 12:07
